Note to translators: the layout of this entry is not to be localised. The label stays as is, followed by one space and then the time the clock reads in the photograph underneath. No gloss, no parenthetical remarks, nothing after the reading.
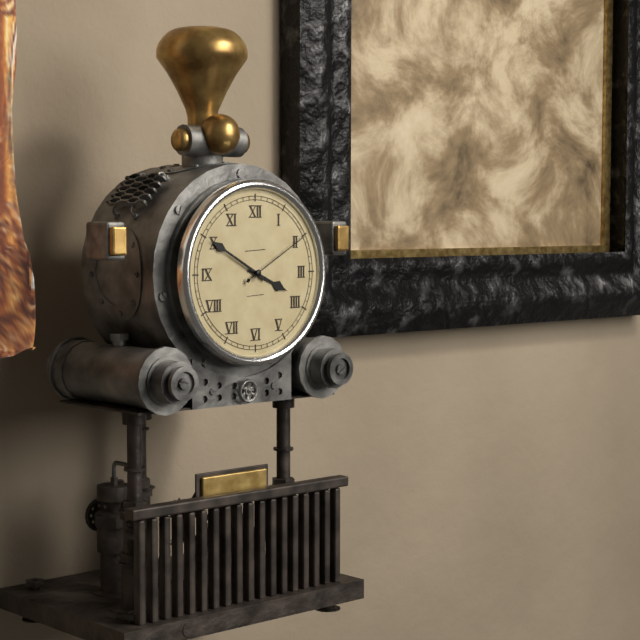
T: 3:50:10
